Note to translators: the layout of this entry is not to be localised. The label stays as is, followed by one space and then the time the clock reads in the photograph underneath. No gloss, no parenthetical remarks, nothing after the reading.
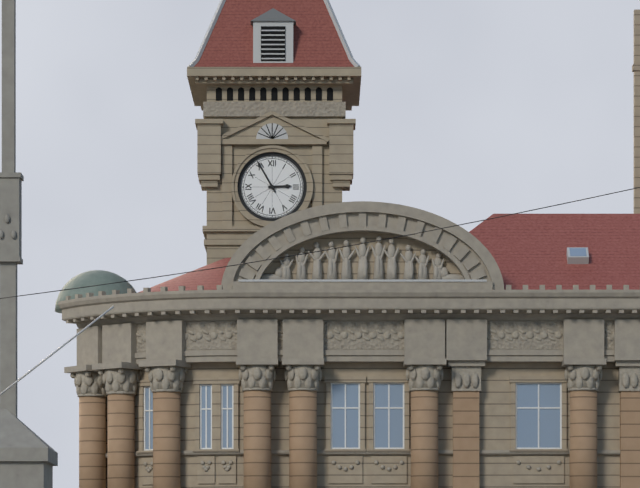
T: 2:55
